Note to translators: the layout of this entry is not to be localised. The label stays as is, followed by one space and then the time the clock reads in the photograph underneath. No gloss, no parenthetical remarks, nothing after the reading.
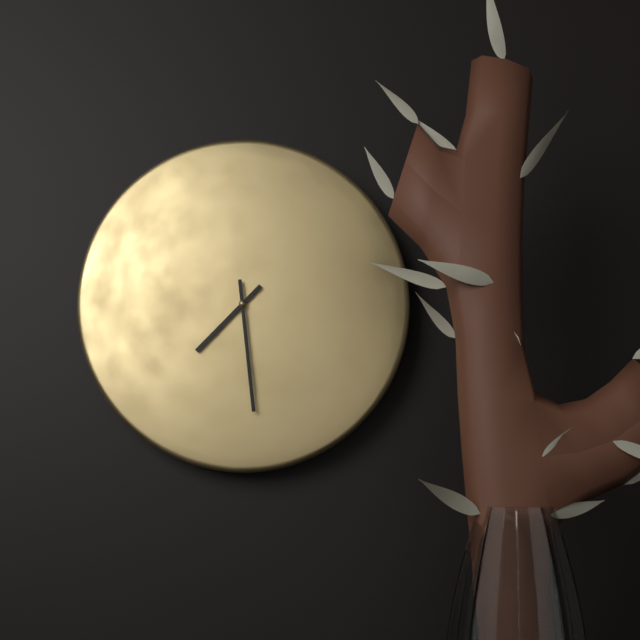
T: 7:29
